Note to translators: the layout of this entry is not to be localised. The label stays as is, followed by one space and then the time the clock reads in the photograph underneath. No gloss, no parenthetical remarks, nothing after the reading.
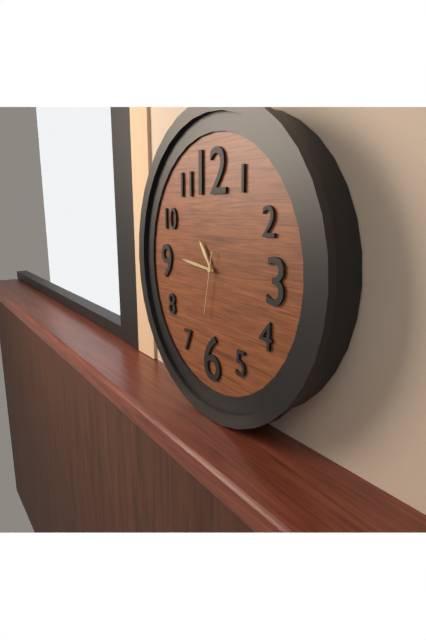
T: 10:46:32
